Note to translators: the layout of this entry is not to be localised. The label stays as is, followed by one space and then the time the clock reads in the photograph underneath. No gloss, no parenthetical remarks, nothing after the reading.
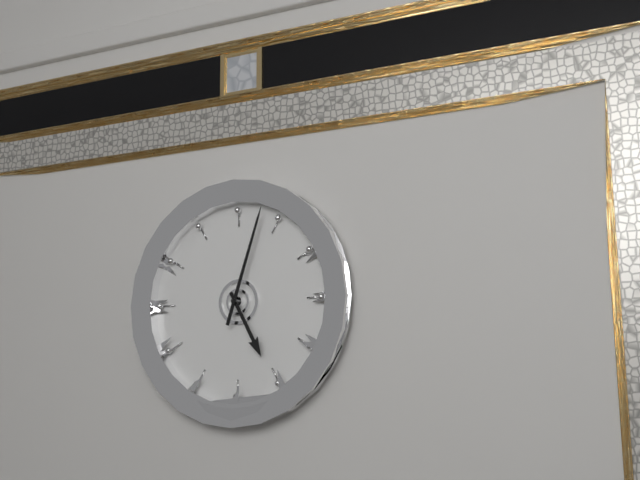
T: 5:03
